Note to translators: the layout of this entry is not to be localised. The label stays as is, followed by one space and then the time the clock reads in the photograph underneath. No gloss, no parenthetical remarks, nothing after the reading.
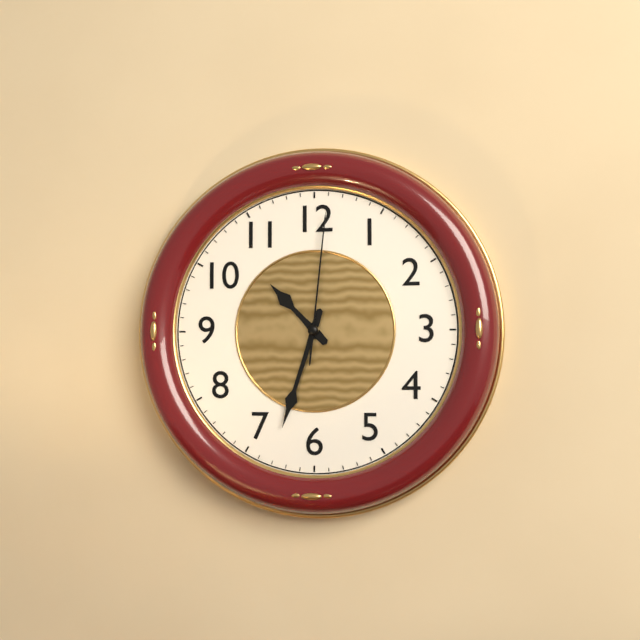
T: 10:33:01
